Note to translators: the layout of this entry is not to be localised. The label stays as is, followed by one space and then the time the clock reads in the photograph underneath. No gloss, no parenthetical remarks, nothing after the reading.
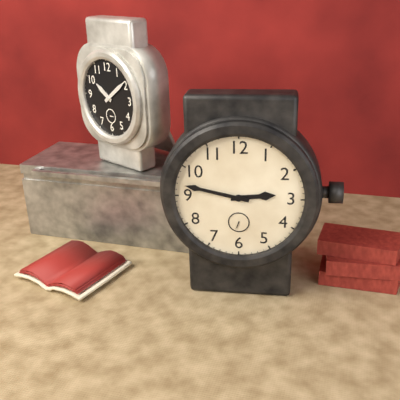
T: 2:47
